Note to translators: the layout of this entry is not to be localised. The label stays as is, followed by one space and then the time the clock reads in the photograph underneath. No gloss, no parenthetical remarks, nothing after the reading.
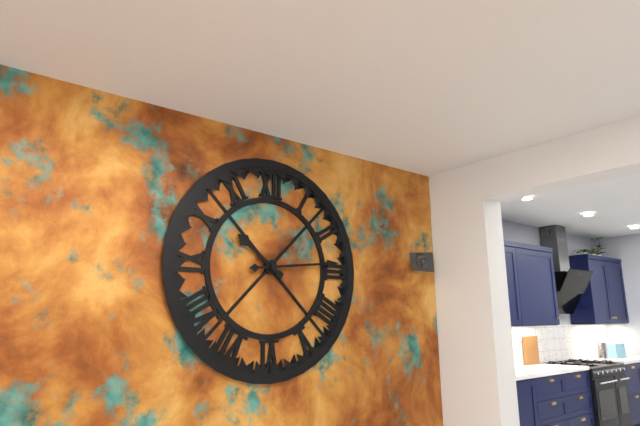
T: 10:14
